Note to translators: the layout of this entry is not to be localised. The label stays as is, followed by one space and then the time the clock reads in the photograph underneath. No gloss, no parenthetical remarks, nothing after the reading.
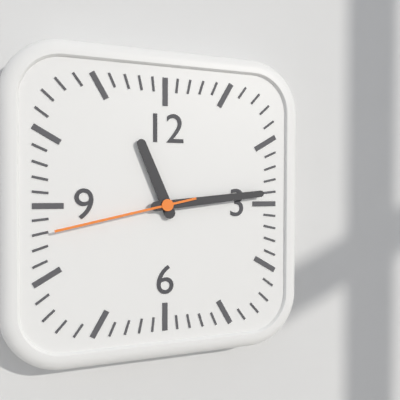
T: 11:14:43
